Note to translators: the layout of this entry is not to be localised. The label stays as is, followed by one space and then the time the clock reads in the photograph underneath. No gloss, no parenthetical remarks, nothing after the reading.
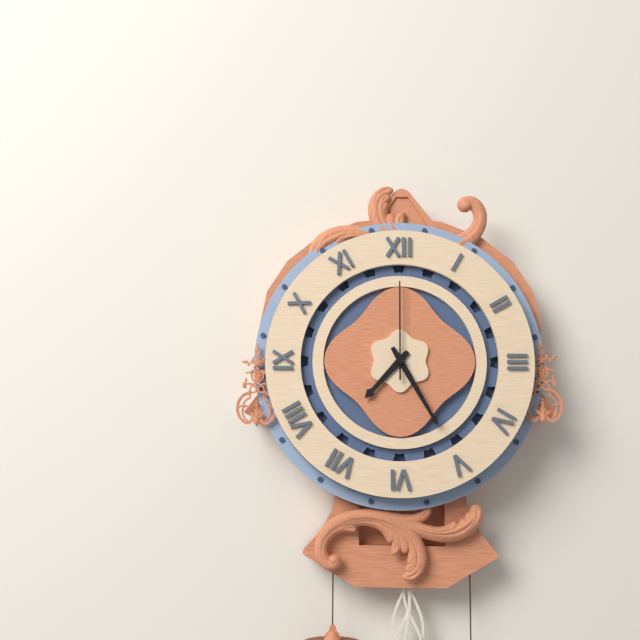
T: 7:25:00
